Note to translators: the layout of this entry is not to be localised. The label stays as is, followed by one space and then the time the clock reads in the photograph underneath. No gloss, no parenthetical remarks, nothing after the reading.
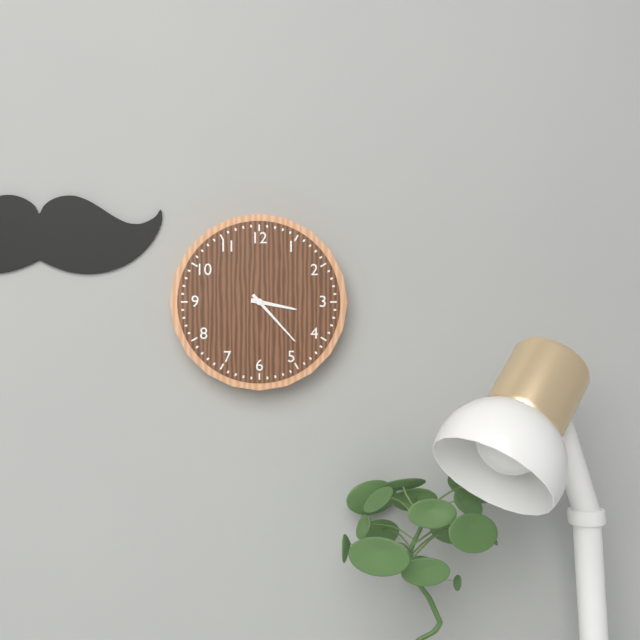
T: 3:23
